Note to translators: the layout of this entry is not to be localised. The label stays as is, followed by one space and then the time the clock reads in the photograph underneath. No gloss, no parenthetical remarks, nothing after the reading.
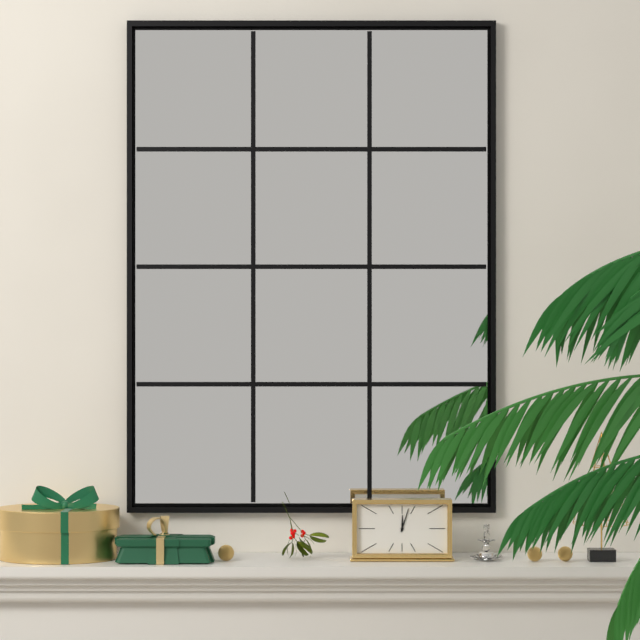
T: 12:03
